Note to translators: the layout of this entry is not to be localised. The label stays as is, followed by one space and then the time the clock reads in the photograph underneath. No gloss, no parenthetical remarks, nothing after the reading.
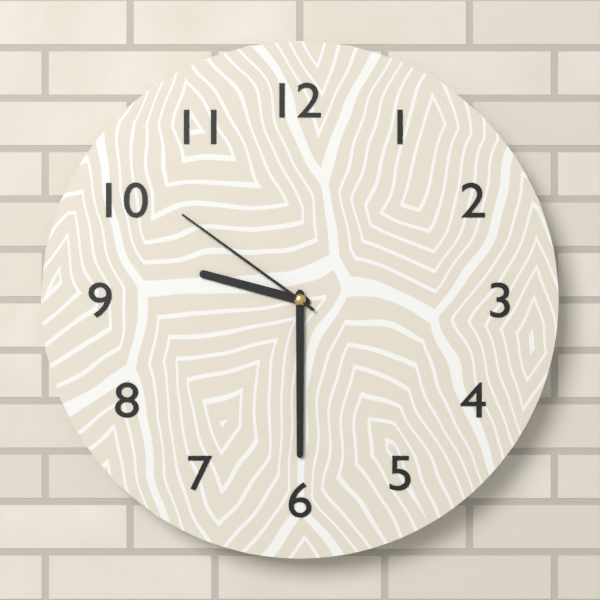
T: 9:30:51
